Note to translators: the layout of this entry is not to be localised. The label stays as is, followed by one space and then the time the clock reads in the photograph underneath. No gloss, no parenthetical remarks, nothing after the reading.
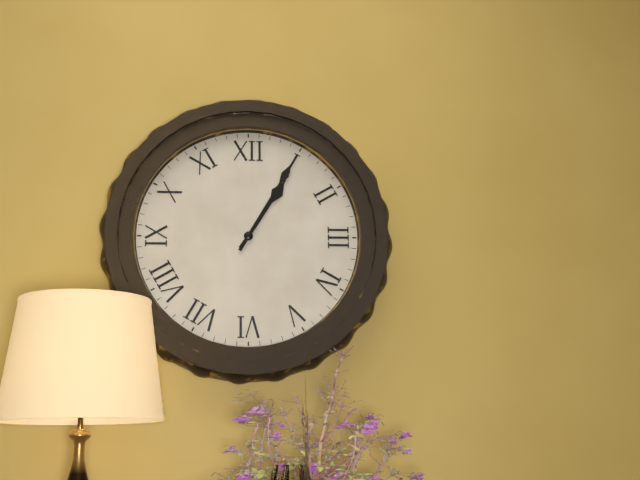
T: 1:05
